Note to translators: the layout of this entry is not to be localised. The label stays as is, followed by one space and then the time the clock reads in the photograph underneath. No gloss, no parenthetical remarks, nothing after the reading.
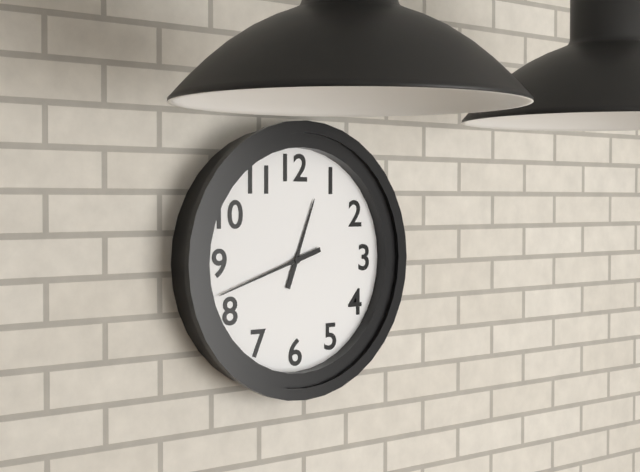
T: 12:42
